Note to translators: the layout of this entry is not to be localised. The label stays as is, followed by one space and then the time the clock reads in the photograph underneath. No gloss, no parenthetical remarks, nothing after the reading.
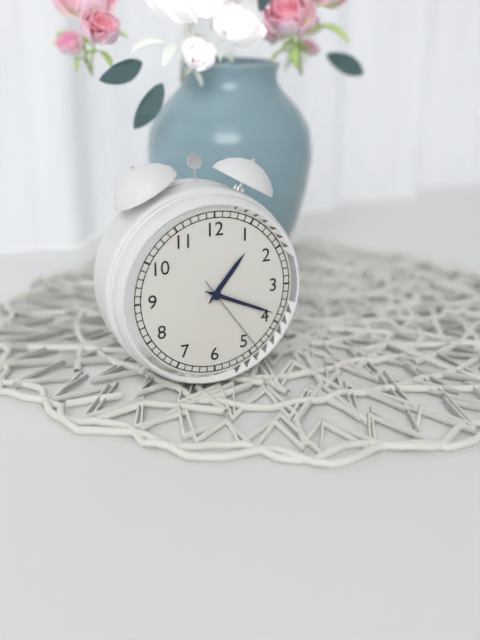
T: 1:19:24
